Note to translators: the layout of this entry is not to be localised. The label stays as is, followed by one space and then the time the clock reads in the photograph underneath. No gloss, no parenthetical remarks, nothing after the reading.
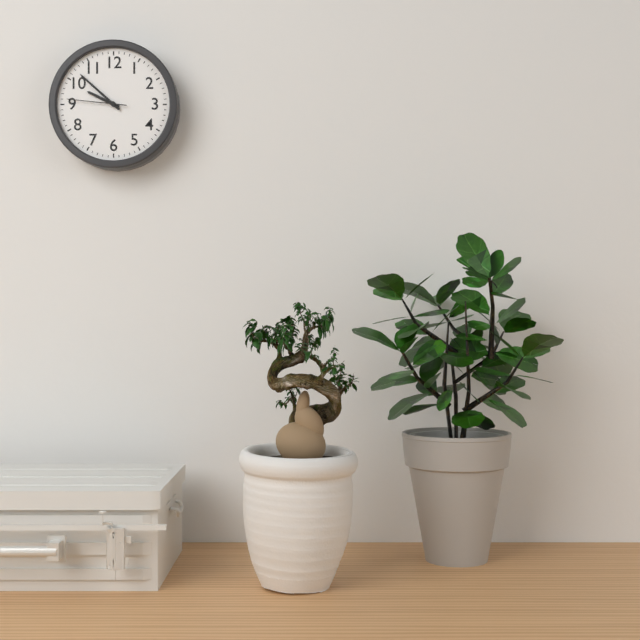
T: 9:52:46
